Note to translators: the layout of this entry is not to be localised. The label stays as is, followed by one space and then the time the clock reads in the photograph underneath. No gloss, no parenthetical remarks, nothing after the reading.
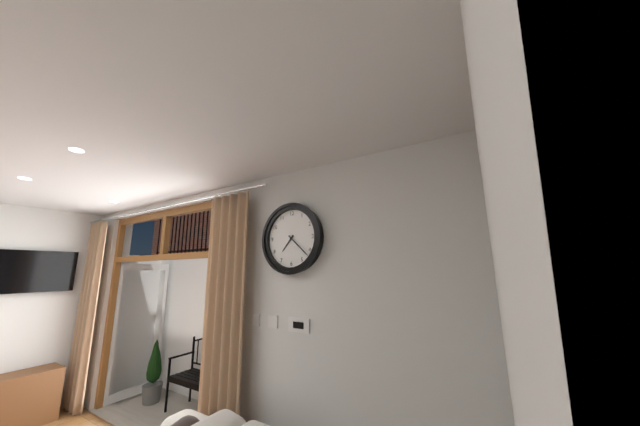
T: 7:22
